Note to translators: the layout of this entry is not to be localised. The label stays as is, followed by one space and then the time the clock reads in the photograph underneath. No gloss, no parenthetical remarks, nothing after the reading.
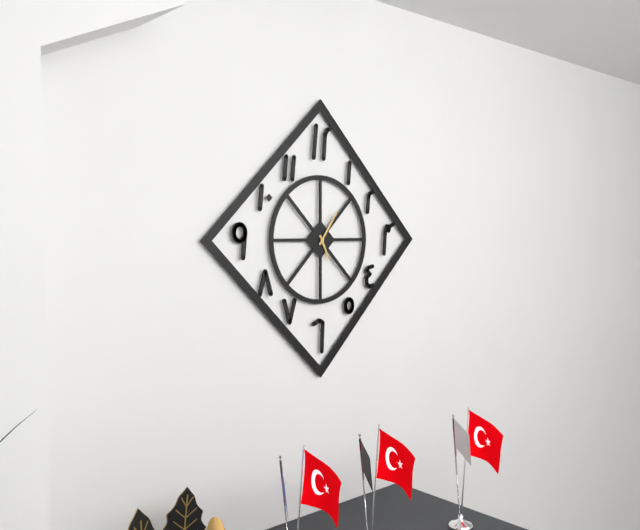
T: 5:06
